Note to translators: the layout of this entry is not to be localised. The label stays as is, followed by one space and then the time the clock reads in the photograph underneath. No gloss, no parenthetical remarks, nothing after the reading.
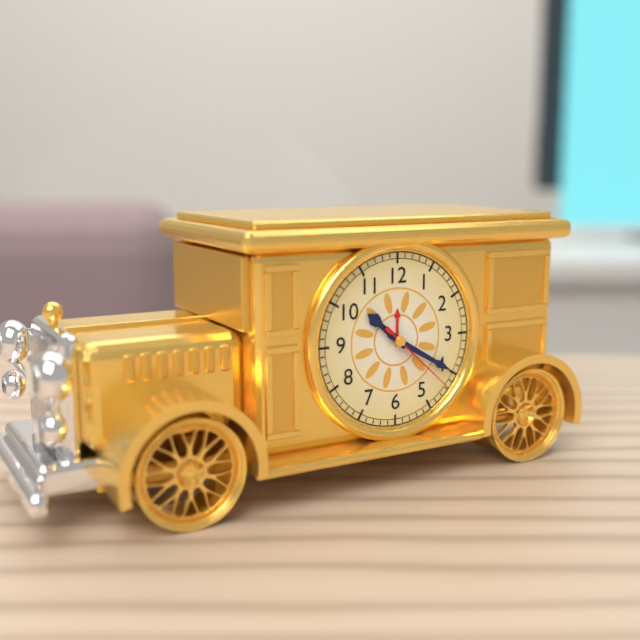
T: 10:20:22
